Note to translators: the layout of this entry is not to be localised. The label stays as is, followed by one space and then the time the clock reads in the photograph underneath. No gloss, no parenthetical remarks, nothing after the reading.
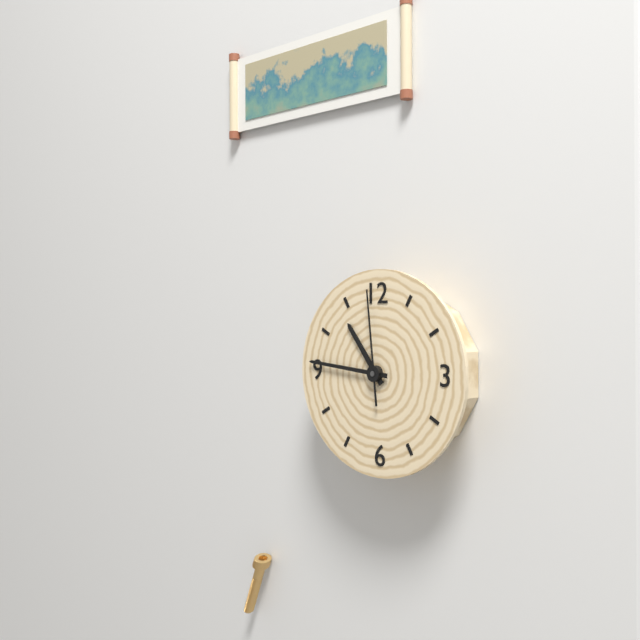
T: 10:46:59
